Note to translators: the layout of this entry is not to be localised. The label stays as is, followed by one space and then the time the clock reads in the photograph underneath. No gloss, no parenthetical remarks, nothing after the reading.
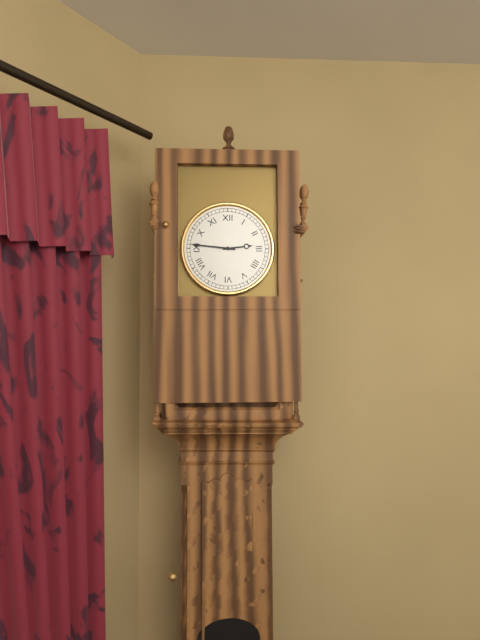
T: 2:46
